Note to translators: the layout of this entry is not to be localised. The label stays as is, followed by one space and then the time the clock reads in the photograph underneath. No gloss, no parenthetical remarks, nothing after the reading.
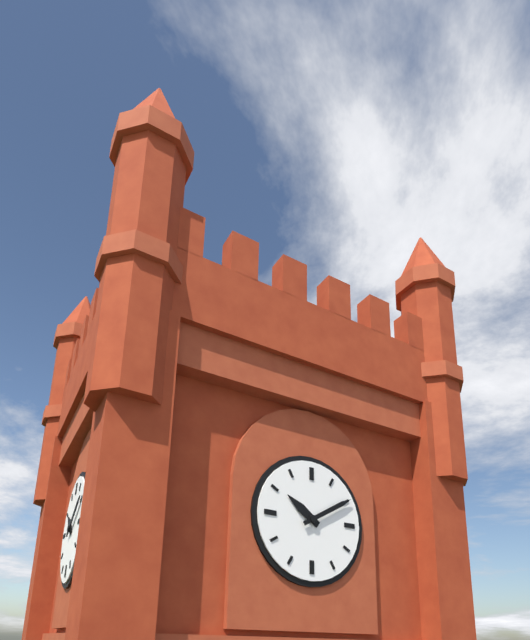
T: 10:10
